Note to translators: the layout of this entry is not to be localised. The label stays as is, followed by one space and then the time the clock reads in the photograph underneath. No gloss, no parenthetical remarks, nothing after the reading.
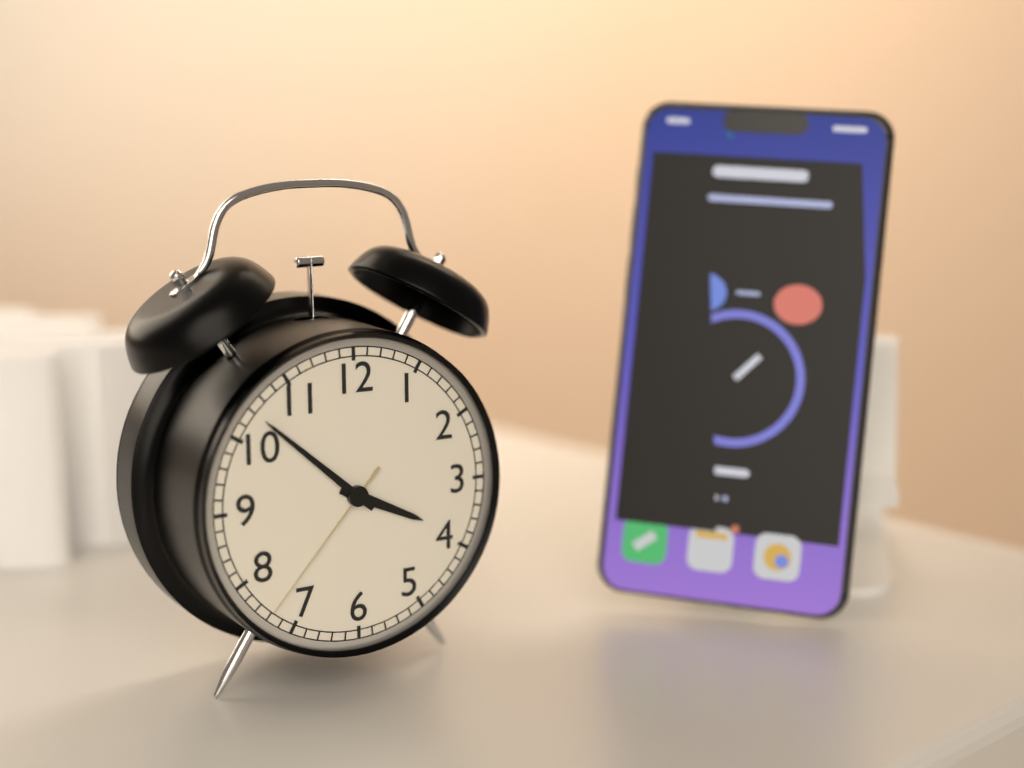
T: 3:52:37
